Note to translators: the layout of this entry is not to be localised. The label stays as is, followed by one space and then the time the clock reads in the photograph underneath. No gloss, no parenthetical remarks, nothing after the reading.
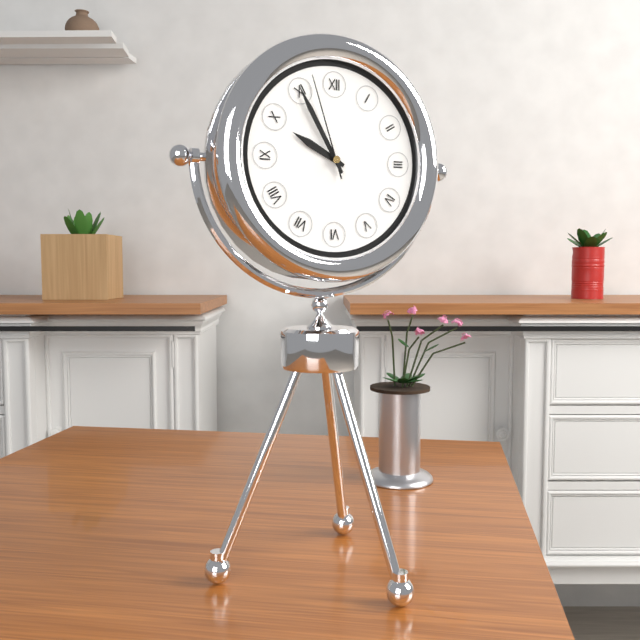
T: 9:55:57
